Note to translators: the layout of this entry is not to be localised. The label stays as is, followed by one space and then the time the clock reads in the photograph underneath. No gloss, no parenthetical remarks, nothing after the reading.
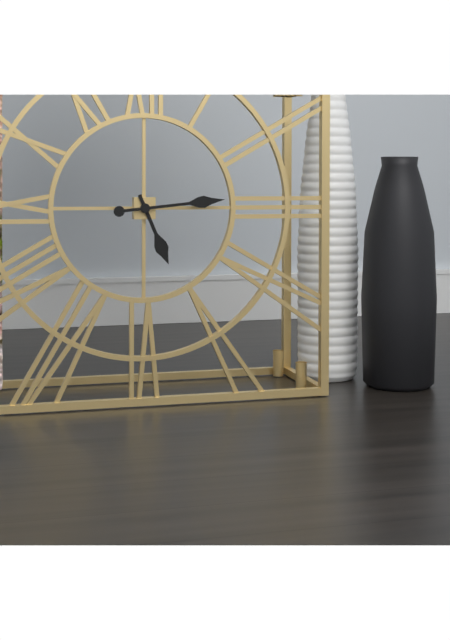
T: 5:14
